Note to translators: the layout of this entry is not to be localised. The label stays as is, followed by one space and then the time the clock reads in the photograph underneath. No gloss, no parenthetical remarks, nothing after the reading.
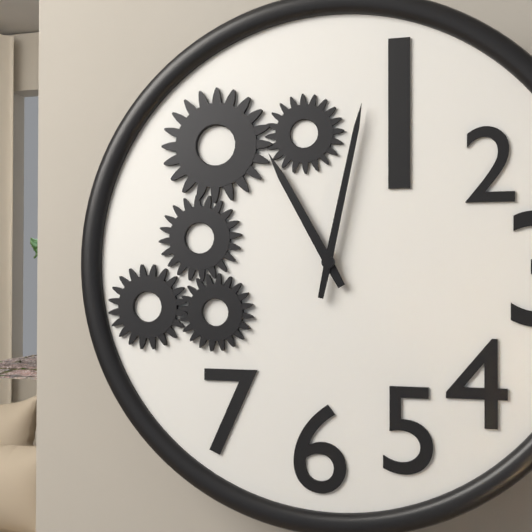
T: 11:02
